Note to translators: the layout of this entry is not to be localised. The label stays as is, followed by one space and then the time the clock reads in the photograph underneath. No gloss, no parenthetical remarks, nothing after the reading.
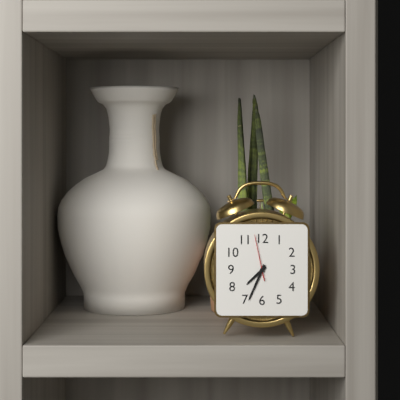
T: 7:34
